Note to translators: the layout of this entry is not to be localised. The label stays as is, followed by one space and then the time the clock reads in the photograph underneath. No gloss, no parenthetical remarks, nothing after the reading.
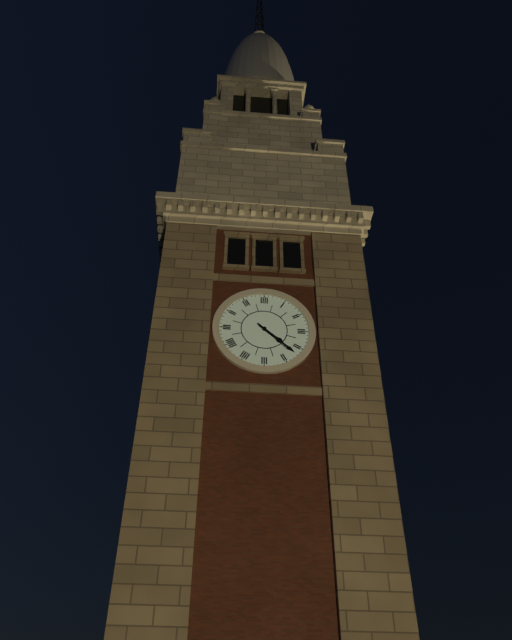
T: 4:22
